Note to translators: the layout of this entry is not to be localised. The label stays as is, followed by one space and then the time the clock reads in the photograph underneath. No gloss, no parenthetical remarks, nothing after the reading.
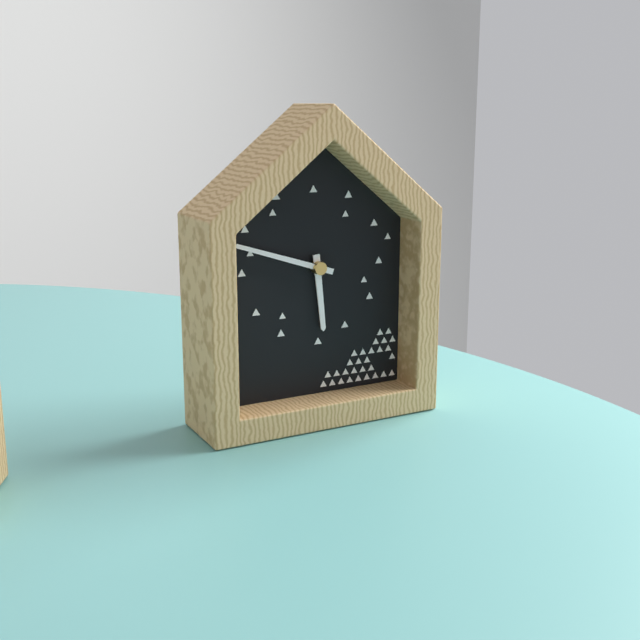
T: 5:48
